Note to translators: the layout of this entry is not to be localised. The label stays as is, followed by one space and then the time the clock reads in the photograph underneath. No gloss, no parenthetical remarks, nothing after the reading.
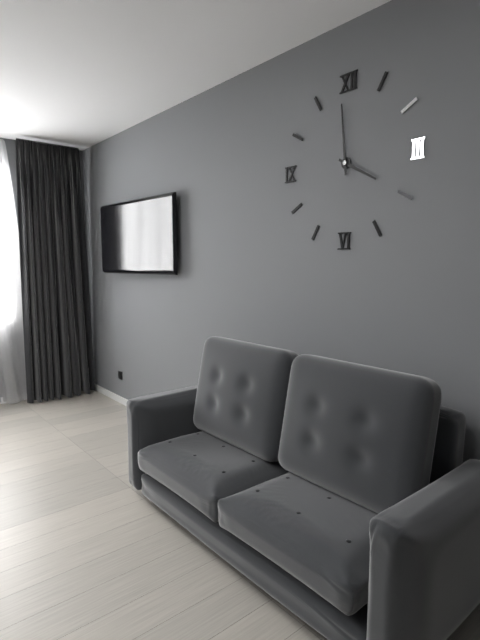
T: 3:59
